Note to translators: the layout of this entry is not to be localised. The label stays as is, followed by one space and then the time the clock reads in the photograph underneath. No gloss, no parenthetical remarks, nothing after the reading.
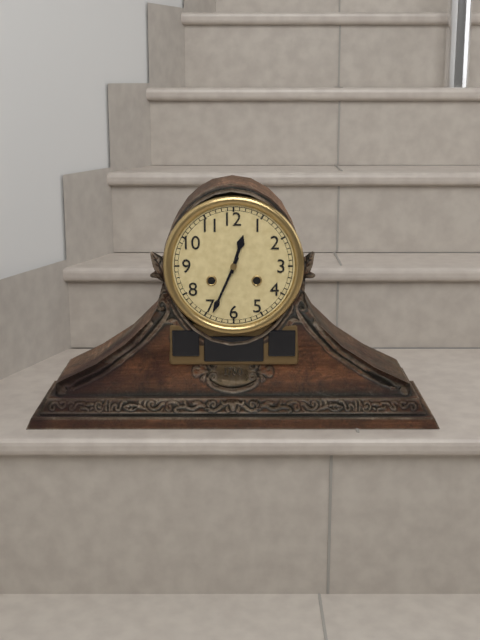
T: 12:34
